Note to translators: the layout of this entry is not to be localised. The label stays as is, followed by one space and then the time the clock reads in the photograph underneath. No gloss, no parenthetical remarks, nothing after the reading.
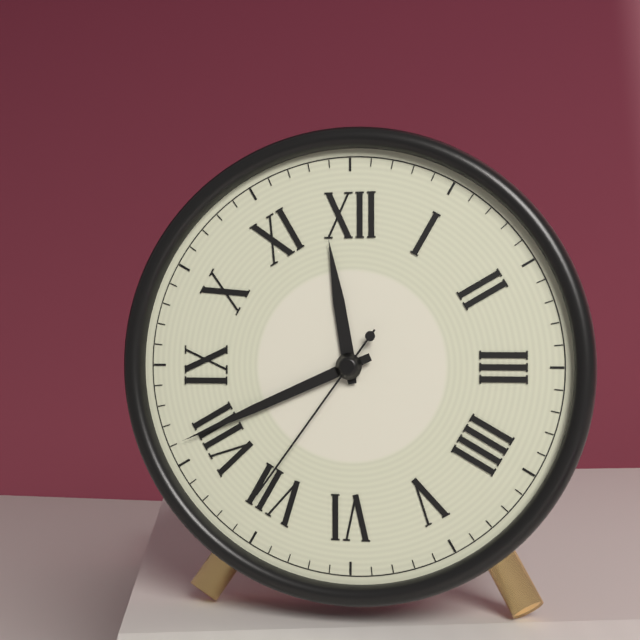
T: 11:41:36
